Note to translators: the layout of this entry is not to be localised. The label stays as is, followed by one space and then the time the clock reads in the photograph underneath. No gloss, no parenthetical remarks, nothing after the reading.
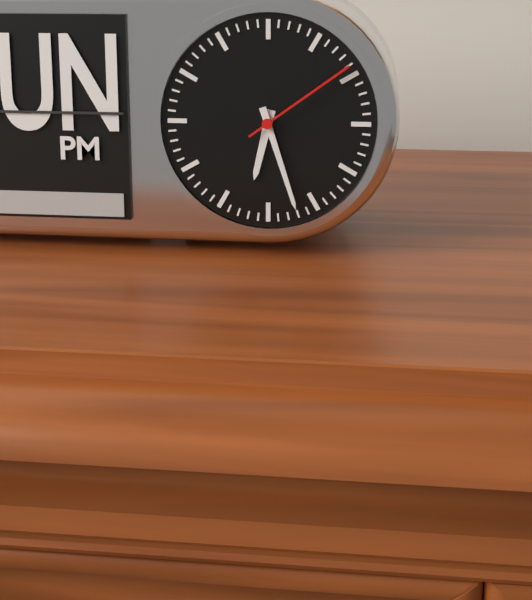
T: 6:27:09
